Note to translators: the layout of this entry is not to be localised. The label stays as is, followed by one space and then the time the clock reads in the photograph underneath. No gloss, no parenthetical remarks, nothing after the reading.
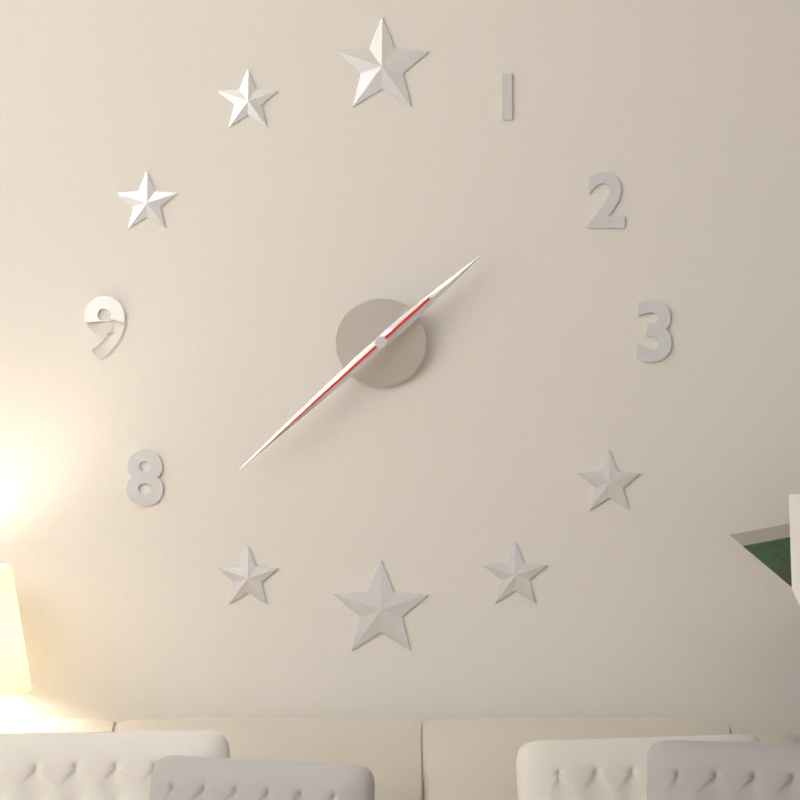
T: 1:38:38
